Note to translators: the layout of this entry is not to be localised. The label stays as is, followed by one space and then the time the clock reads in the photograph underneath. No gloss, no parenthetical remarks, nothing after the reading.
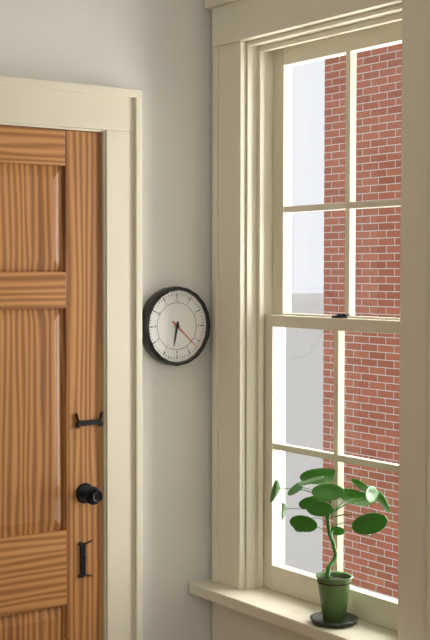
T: 6:22
